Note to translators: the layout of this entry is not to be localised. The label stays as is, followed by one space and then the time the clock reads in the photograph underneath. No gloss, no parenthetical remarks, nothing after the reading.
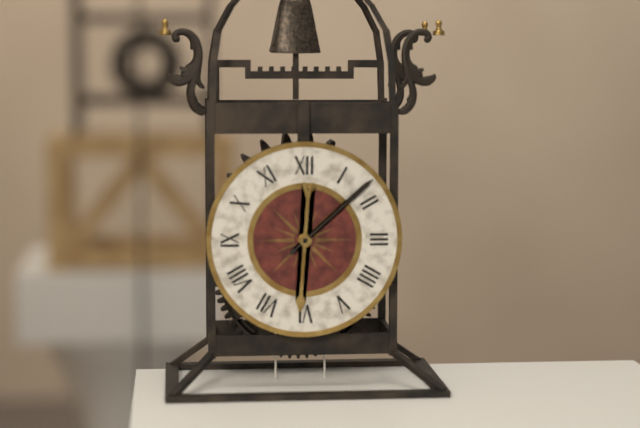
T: 6:08
